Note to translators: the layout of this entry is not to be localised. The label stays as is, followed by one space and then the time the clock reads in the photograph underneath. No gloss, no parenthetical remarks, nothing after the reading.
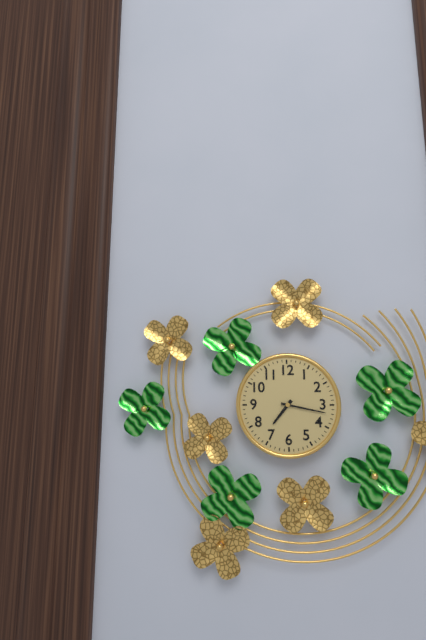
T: 7:17
